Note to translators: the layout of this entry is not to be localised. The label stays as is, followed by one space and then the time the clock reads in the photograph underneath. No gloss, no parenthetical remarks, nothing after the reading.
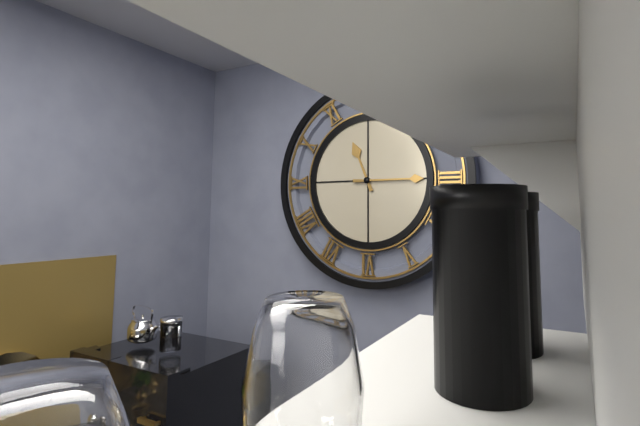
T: 11:15
